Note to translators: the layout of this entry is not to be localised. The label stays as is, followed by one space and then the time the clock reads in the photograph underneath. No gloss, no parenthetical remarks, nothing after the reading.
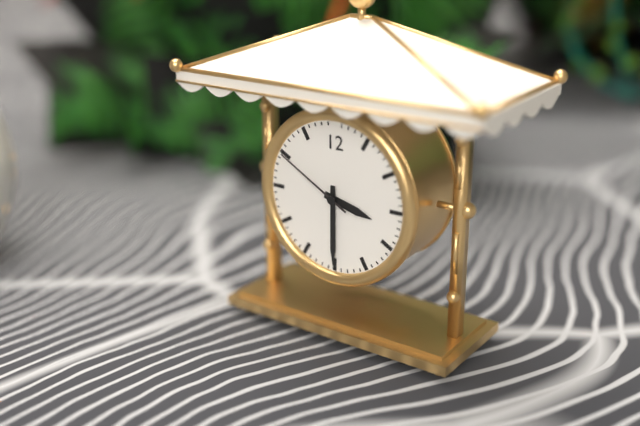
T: 3:30:50
